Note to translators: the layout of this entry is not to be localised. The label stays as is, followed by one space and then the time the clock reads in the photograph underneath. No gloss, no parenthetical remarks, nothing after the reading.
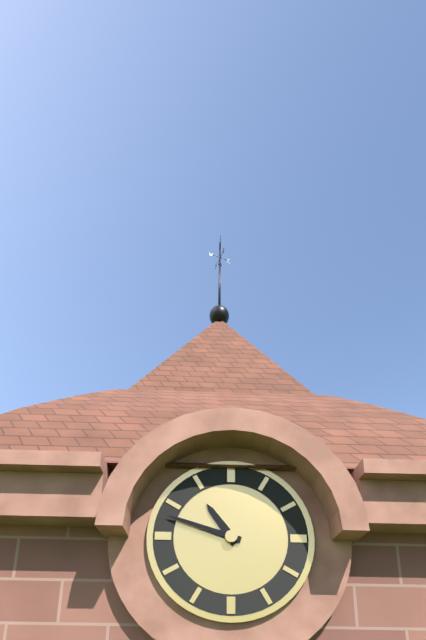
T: 10:48
